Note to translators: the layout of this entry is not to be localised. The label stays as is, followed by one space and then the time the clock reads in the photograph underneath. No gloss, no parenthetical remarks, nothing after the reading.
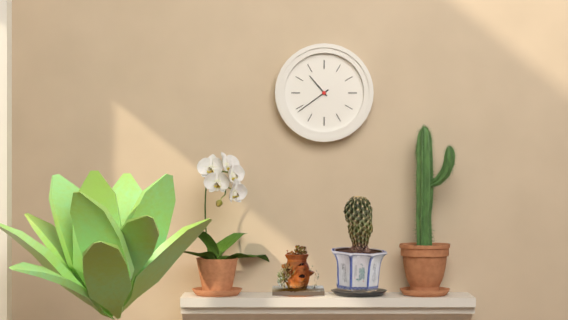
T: 10:39
